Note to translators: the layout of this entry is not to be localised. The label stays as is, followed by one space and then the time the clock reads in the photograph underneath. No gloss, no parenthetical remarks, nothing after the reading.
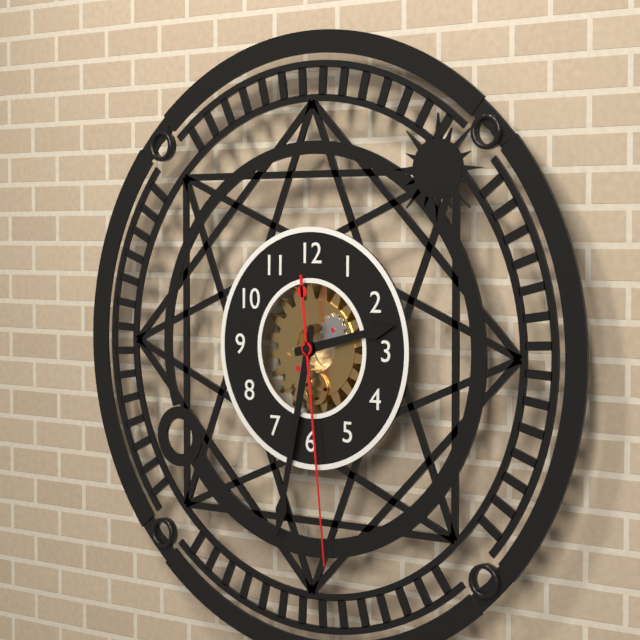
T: 2:32:29
